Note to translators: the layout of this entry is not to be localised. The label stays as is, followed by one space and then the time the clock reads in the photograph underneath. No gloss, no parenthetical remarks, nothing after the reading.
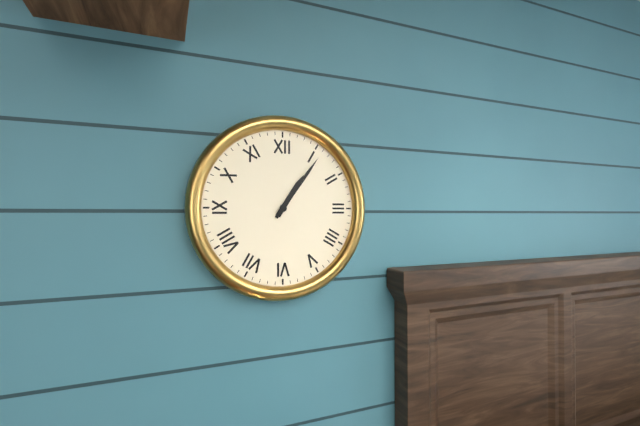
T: 1:06
